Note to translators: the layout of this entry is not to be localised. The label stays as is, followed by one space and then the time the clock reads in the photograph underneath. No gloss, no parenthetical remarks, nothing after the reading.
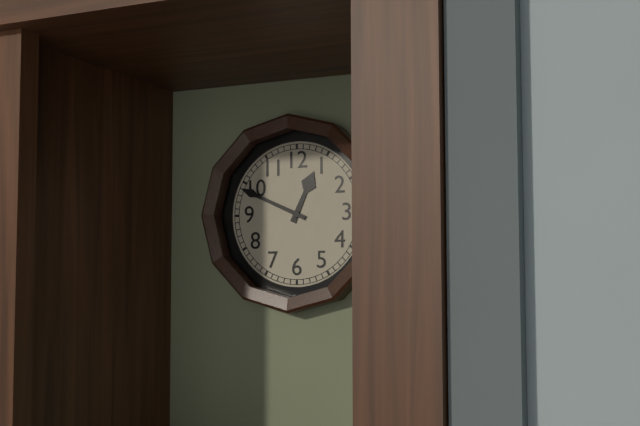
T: 12:49
